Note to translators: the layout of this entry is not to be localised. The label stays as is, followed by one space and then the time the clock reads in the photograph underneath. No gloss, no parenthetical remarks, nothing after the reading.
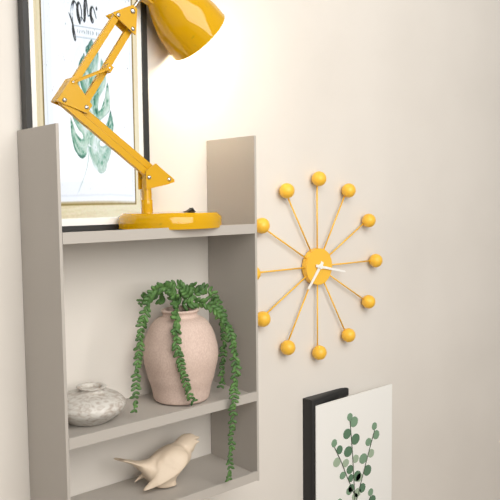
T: 7:17
